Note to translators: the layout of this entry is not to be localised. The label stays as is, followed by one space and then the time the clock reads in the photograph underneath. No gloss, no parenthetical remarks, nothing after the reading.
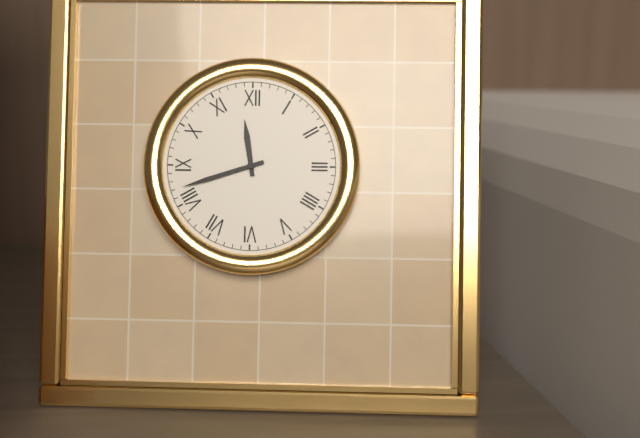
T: 11:42
